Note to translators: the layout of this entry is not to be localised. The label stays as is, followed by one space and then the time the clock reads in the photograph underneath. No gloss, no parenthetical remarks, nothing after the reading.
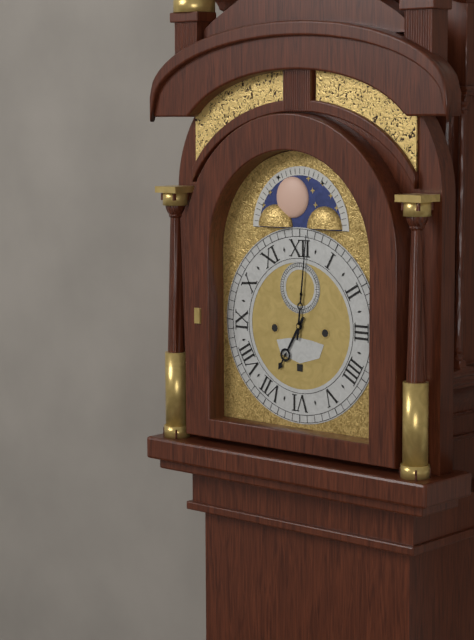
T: 7:01
